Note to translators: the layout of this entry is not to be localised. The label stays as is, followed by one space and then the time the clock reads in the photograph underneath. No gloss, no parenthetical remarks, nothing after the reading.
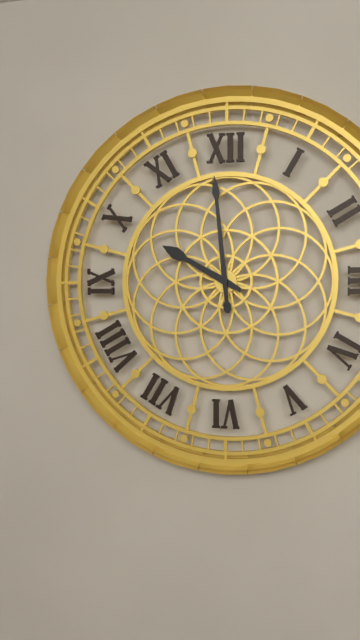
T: 9:59
